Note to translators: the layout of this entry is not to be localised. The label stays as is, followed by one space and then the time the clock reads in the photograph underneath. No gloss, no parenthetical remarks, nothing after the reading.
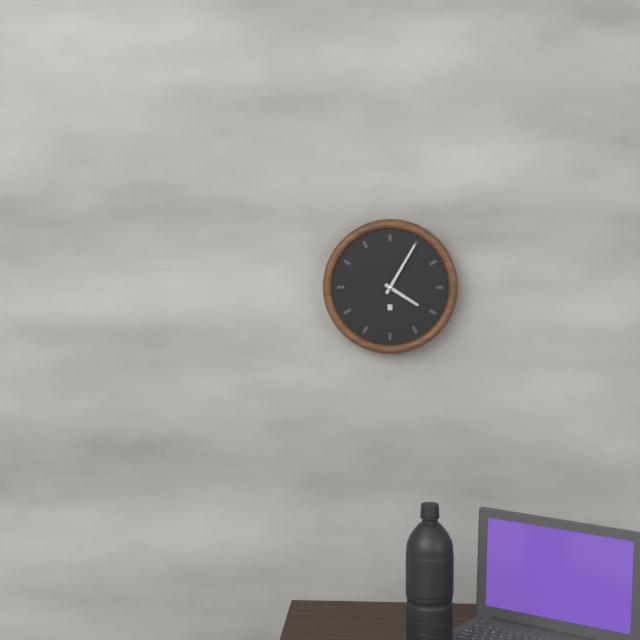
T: 4:05
